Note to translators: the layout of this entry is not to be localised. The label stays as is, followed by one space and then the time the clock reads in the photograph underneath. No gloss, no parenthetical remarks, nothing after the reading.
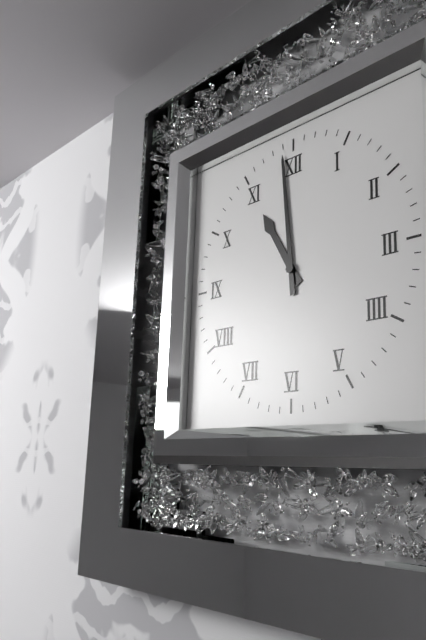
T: 10:59
